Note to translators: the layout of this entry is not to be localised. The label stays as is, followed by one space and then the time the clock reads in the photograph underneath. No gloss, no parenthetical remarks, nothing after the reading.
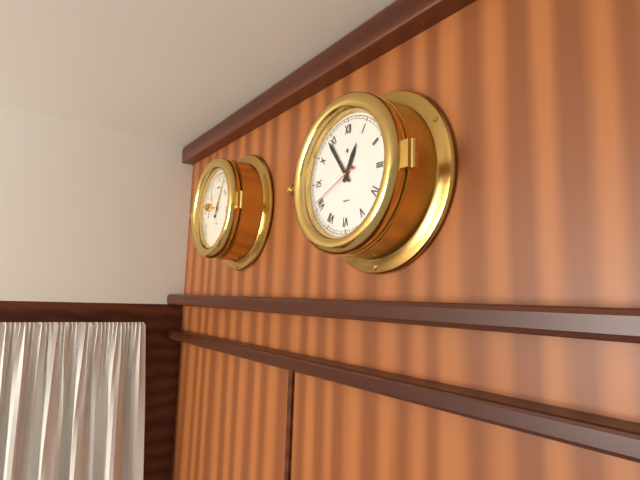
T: 12:54:41
